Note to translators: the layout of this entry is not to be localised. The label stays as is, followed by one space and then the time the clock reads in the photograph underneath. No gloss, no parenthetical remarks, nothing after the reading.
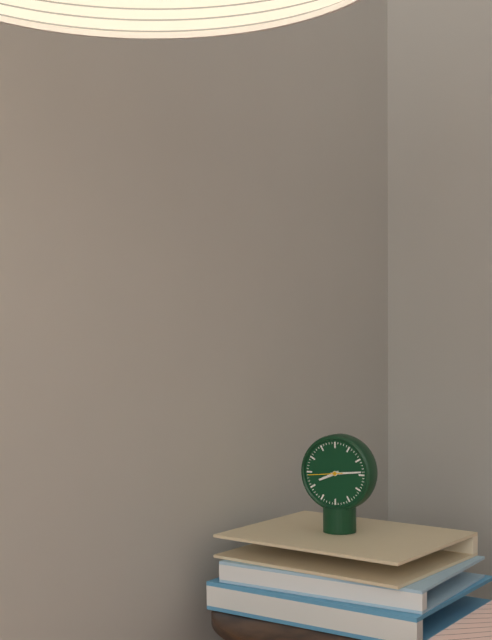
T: 8:14
